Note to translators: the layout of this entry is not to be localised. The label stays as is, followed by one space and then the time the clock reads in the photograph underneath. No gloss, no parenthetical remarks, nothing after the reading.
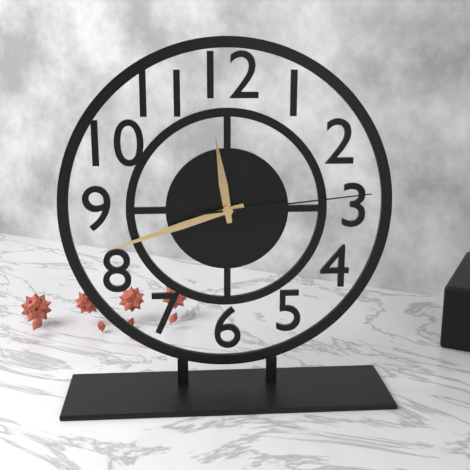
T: 11:42:14
